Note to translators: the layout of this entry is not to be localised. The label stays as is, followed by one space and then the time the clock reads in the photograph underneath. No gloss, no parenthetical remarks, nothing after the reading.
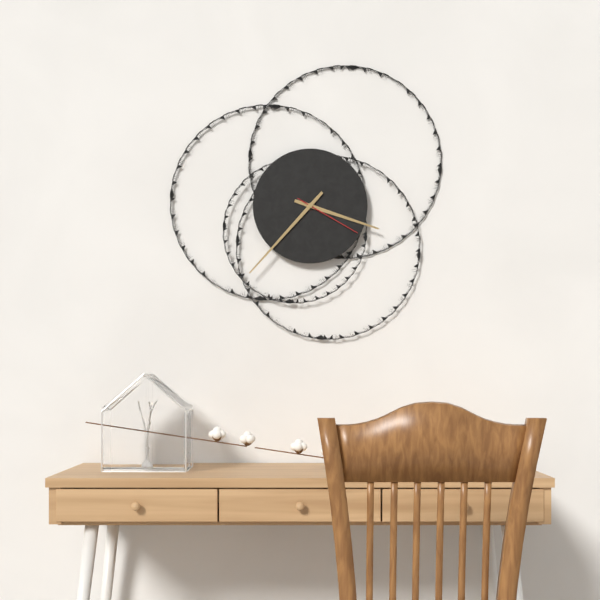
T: 3:37:20
